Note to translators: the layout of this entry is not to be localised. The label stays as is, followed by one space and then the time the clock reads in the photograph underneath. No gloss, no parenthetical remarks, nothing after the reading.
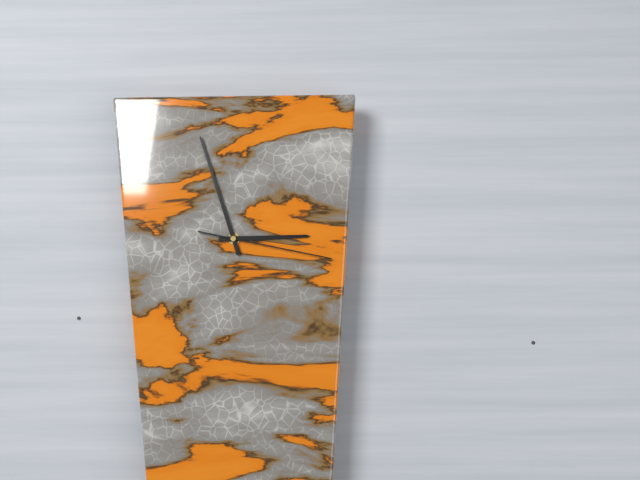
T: 2:57:17
